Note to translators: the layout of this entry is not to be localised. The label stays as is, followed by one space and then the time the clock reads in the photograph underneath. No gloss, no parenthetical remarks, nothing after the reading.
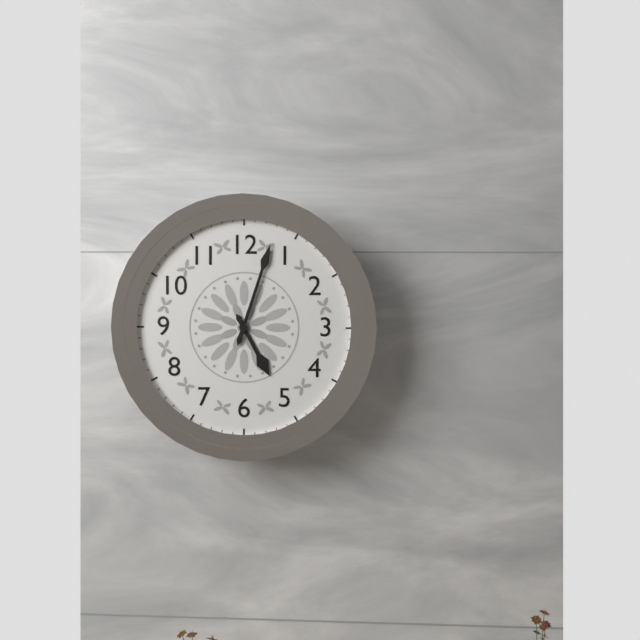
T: 5:03
